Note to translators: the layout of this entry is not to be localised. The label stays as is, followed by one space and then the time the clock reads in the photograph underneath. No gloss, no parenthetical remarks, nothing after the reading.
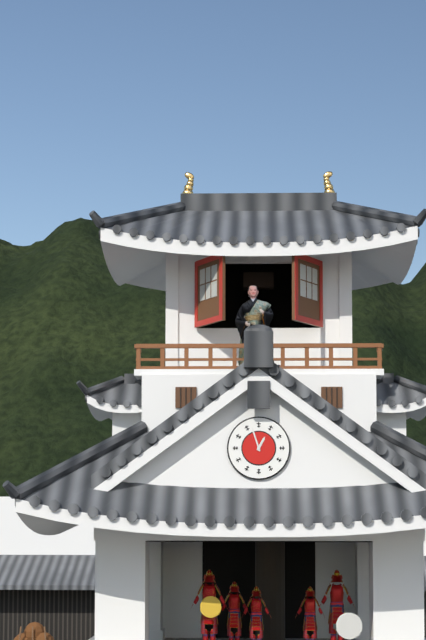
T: 12:57
